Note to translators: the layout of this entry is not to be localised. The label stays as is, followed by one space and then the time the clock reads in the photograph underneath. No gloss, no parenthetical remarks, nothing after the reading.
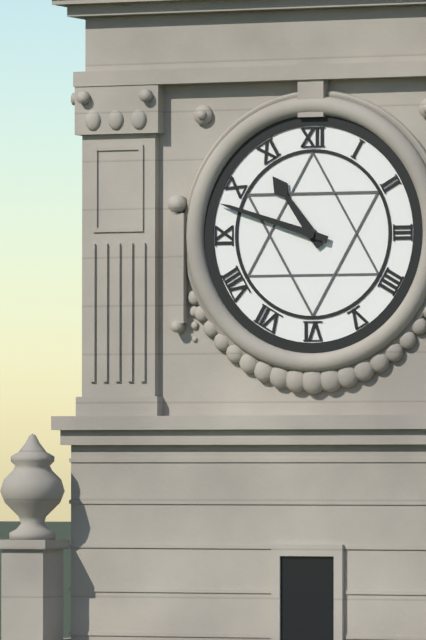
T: 10:48
